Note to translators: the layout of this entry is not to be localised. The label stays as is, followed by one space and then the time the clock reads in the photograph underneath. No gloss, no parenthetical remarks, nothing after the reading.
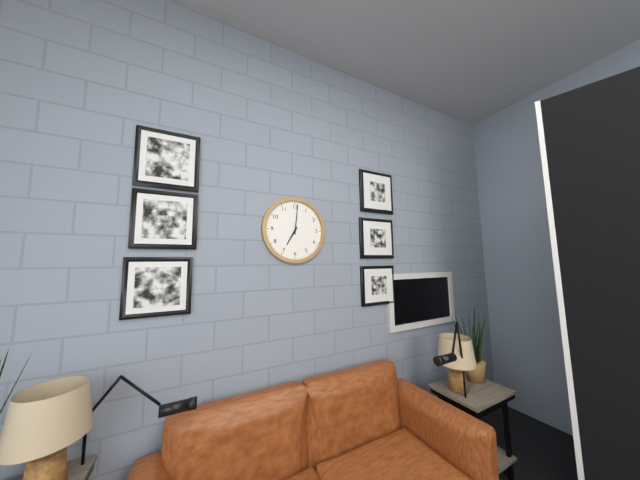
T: 7:01
